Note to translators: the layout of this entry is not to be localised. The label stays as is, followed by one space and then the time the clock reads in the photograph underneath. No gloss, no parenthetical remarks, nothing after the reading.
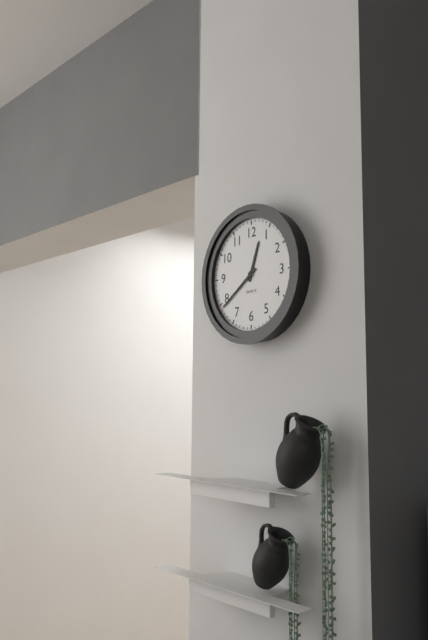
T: 12:39
